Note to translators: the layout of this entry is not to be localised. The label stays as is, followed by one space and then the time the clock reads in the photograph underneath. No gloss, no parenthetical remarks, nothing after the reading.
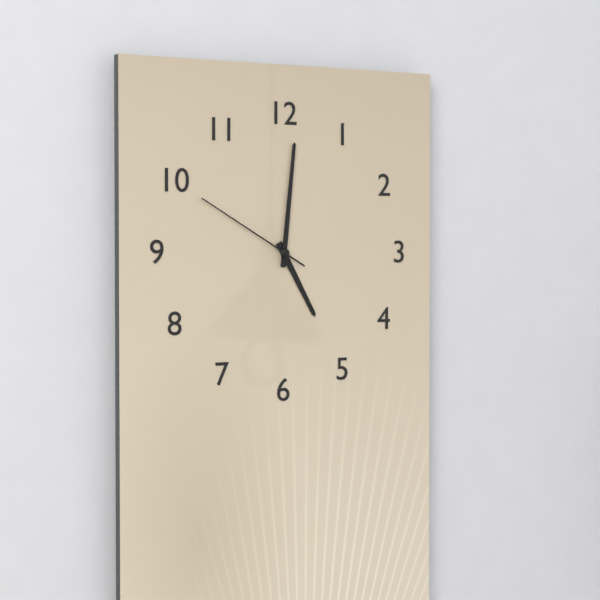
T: 5:01:50
